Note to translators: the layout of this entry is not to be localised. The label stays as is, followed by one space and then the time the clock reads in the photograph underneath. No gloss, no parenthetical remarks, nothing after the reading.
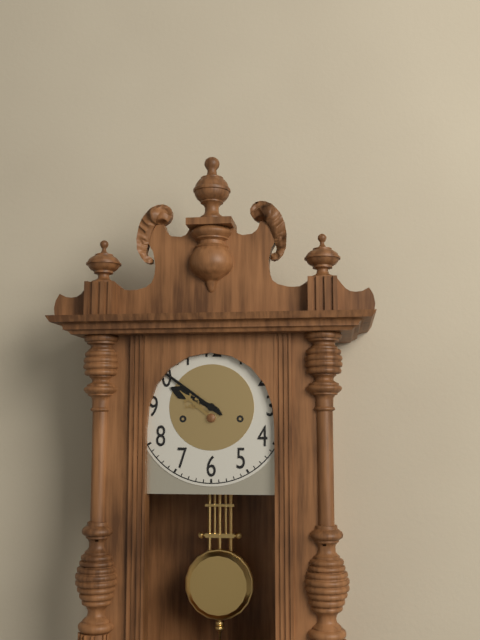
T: 9:51
